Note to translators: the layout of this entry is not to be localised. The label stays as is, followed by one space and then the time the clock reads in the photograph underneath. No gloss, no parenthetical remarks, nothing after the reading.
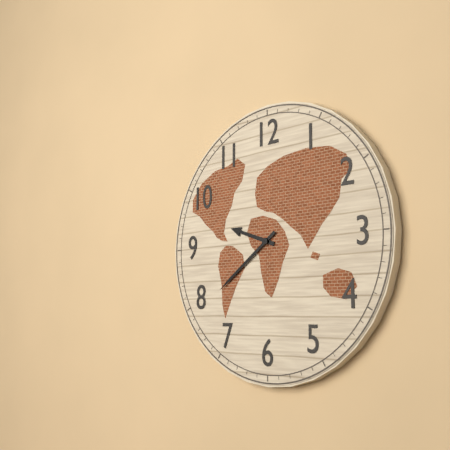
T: 9:39
